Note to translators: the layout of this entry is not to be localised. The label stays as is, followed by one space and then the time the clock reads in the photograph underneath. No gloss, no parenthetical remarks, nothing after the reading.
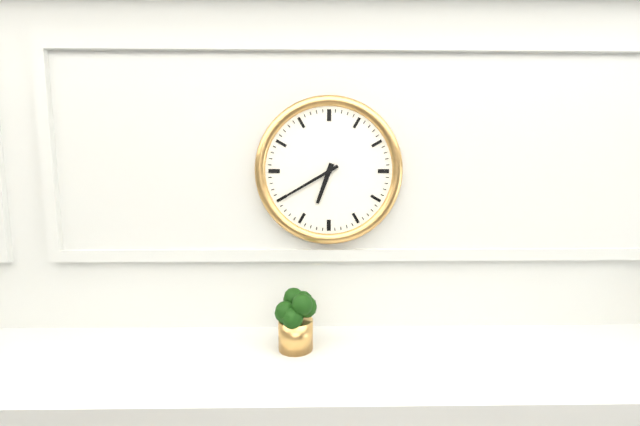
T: 6:40
